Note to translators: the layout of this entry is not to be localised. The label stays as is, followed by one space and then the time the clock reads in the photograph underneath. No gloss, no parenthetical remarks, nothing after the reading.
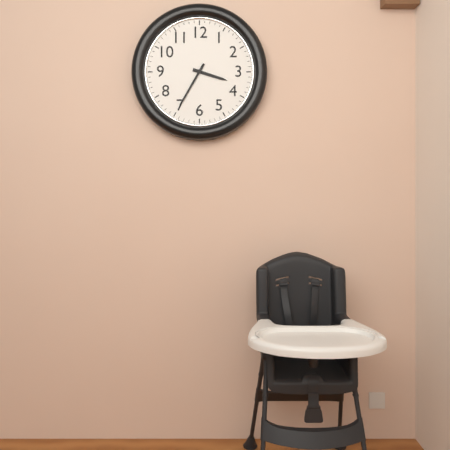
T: 3:35
